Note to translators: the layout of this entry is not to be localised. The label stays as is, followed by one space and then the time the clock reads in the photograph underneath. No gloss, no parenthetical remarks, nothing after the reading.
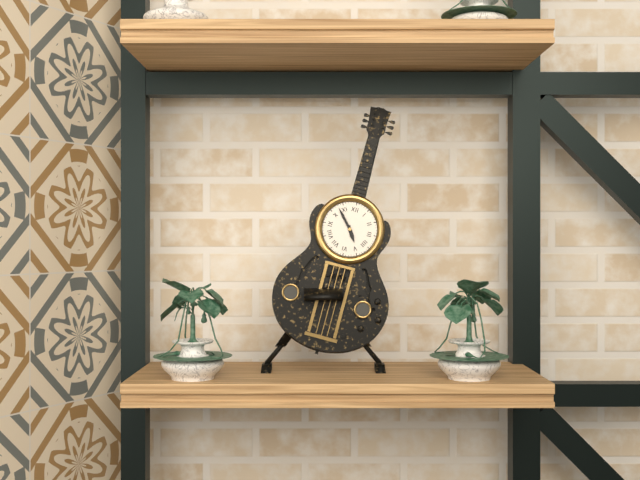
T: 4:53
